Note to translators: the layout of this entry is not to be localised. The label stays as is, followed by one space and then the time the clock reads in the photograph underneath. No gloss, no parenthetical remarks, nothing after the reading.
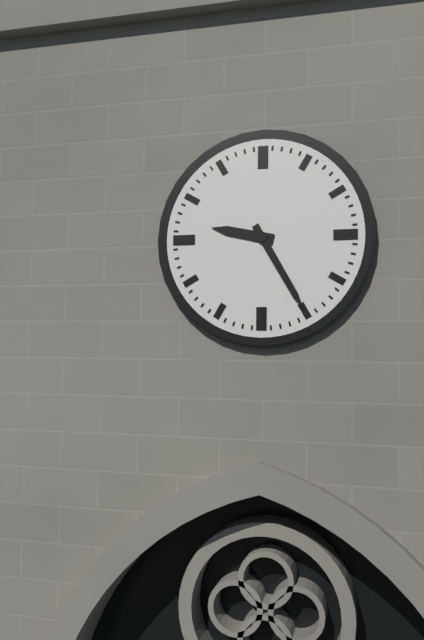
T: 9:25
